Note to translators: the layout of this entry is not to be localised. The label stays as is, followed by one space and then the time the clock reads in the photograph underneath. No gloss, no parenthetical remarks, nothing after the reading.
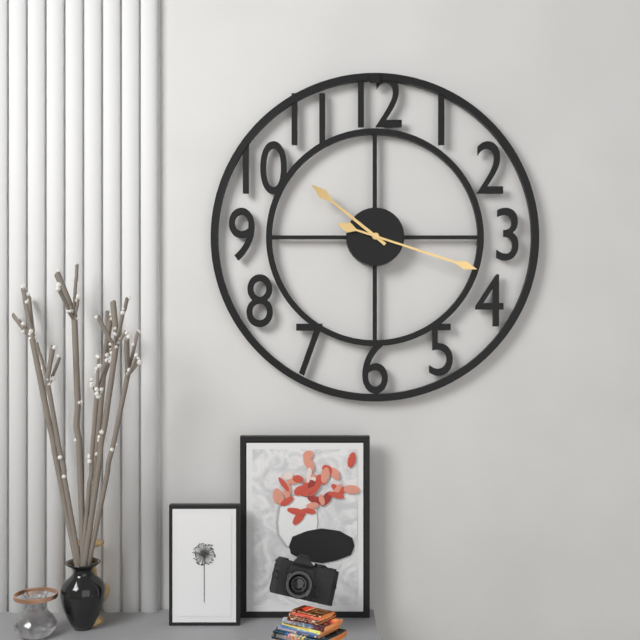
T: 10:18
